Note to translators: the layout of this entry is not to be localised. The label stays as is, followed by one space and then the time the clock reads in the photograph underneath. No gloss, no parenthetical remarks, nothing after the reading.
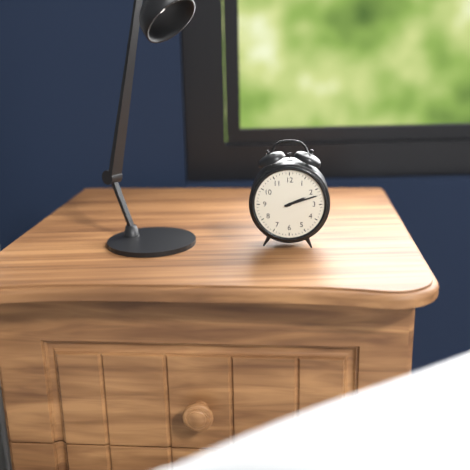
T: 2:12
